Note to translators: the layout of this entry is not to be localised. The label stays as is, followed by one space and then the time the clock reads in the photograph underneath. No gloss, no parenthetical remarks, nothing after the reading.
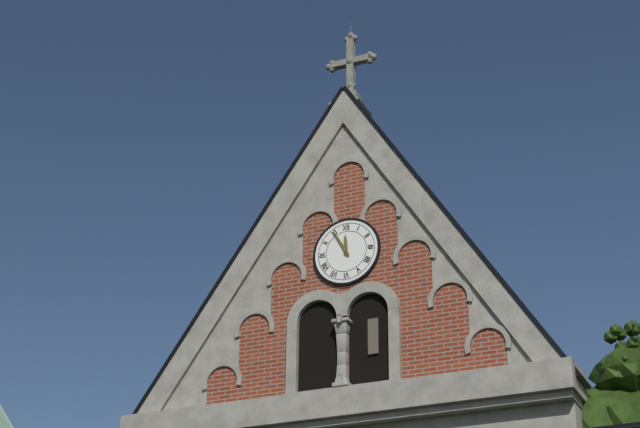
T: 11:55
